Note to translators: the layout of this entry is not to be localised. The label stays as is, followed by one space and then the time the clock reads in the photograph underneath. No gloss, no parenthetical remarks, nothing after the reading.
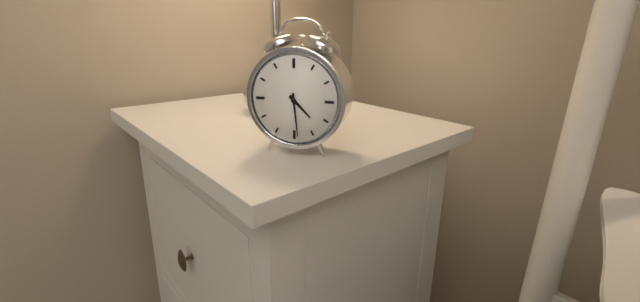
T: 4:29
